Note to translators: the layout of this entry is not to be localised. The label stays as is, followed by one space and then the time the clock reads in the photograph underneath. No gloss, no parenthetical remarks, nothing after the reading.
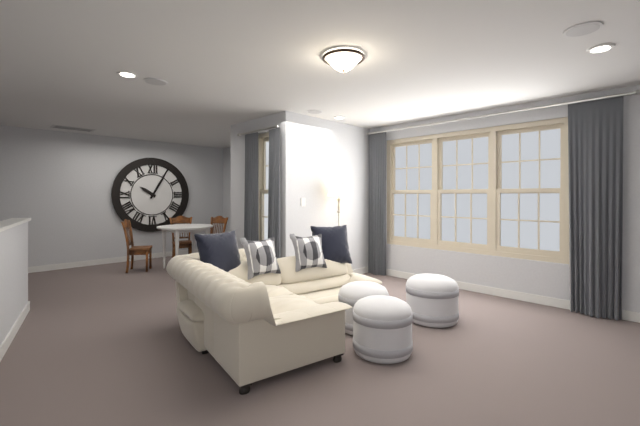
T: 10:05
